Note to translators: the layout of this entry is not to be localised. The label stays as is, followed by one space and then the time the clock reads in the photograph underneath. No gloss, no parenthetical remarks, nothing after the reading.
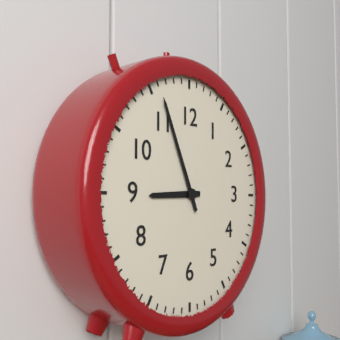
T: 8:56
